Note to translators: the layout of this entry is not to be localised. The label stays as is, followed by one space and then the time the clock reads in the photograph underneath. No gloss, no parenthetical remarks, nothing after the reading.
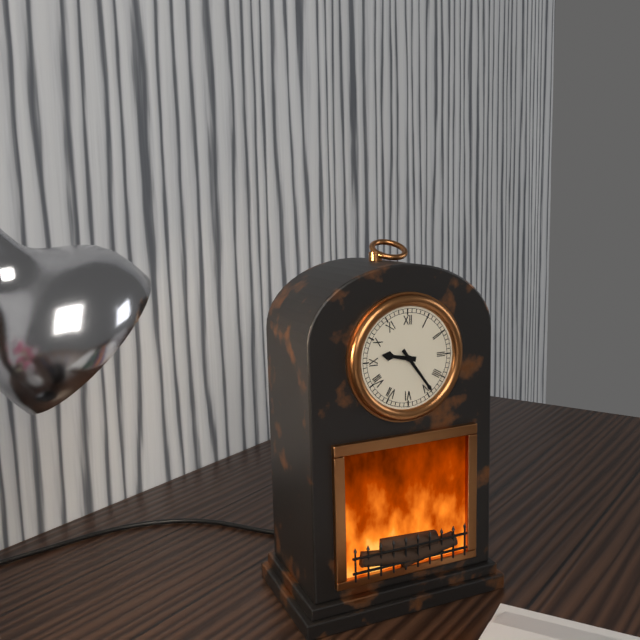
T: 9:24
